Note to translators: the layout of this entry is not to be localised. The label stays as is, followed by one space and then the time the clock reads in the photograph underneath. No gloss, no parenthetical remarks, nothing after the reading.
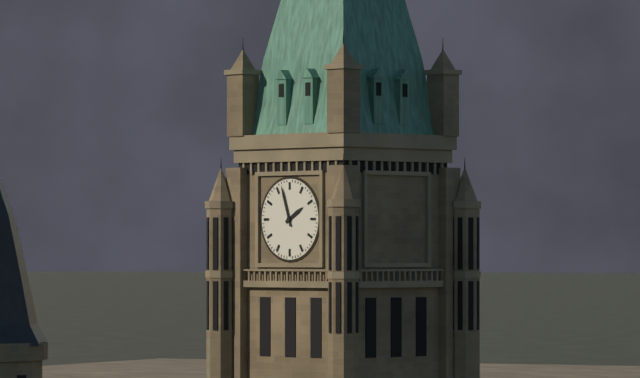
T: 1:57
